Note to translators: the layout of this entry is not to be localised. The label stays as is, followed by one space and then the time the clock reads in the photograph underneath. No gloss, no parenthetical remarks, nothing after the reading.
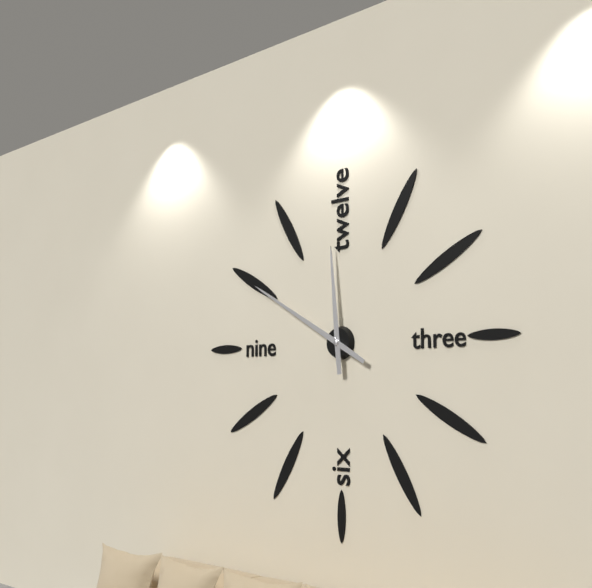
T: 11:50
